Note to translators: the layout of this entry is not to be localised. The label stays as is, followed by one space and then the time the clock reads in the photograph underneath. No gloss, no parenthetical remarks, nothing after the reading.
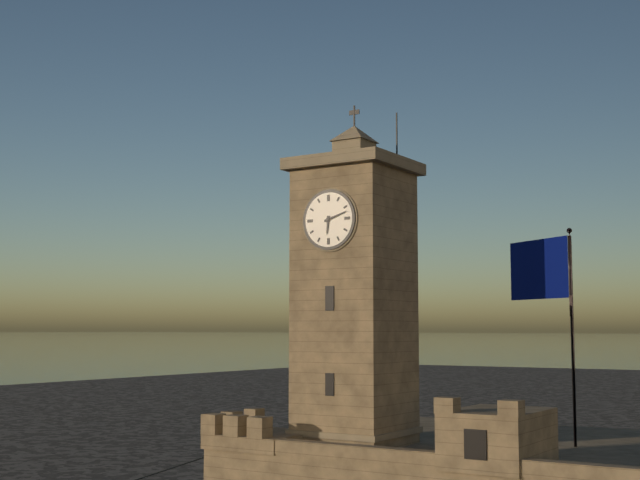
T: 6:12
